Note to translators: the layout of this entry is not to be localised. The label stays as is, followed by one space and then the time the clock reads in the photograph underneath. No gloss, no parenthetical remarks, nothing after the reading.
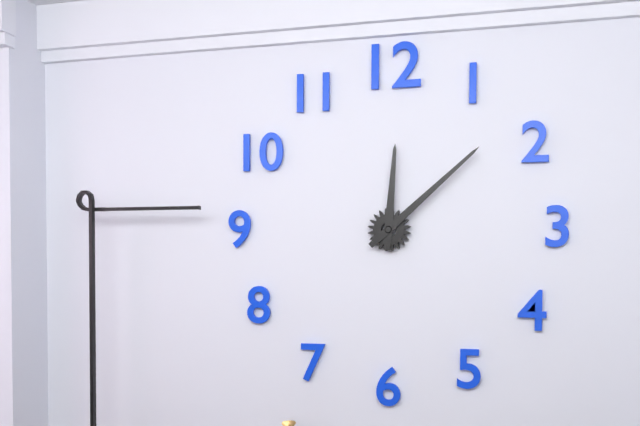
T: 12:08
